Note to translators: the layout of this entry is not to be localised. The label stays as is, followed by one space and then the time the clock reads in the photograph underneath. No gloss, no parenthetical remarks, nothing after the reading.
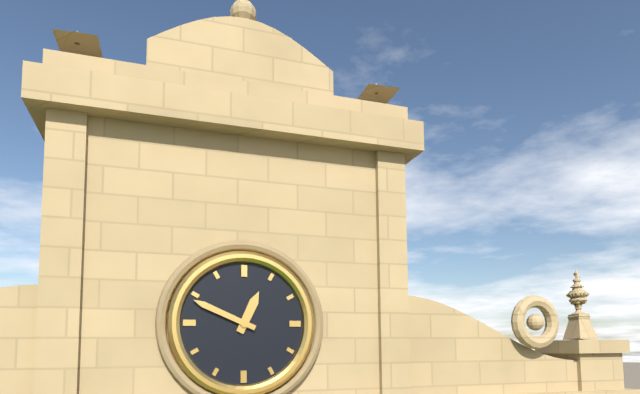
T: 12:49
